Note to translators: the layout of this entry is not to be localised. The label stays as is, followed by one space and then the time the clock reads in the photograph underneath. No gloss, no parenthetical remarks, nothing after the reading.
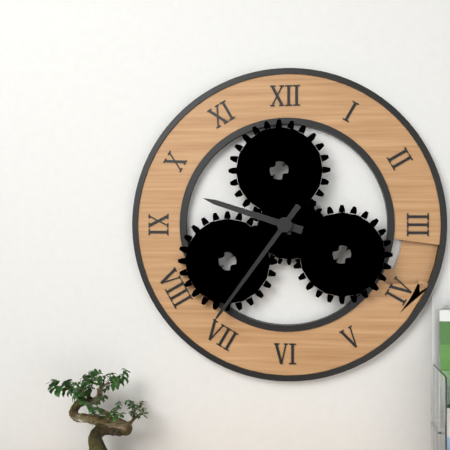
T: 9:36
